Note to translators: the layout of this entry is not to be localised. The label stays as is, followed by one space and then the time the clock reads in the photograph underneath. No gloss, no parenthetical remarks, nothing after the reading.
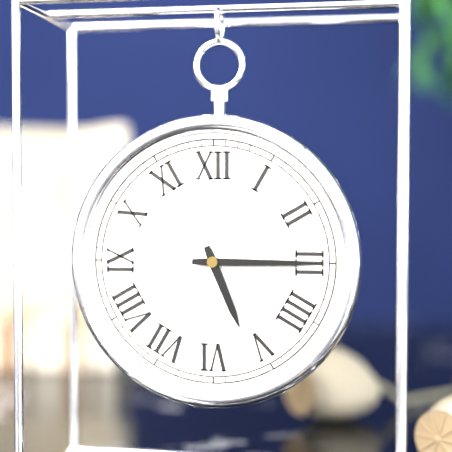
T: 5:15
